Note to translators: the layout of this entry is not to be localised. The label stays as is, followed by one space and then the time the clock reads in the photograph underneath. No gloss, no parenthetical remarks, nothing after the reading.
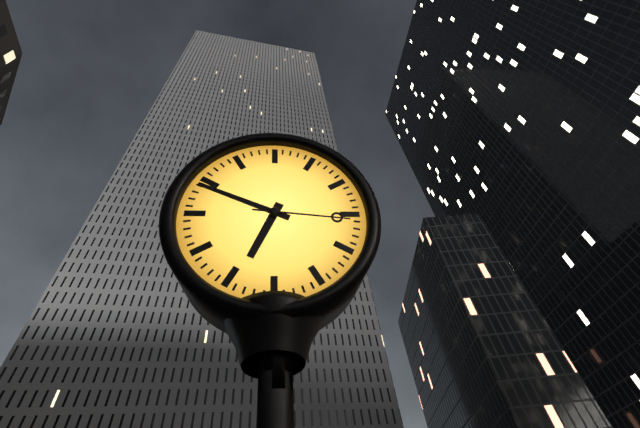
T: 6:49:16
